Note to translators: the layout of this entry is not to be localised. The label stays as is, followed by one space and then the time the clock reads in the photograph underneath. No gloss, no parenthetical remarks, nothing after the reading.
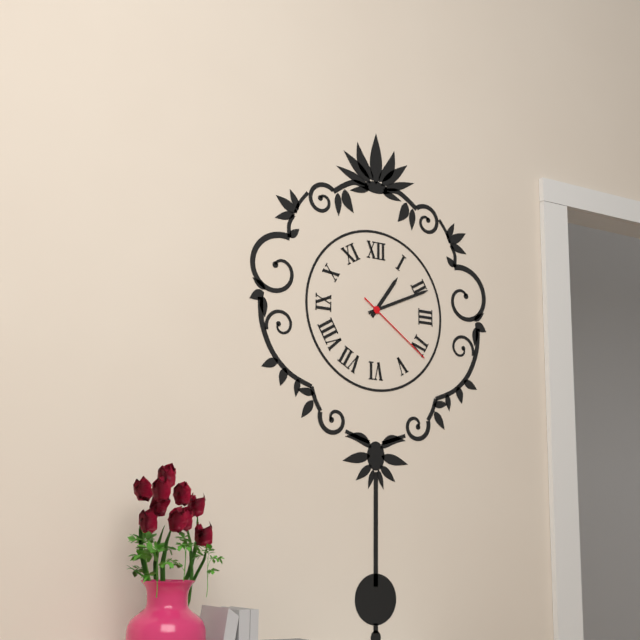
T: 1:11:21
